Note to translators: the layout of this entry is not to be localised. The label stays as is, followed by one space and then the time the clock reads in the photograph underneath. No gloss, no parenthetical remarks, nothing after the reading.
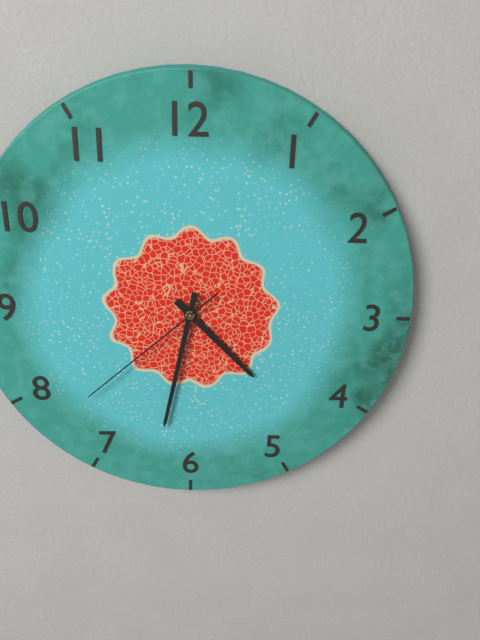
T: 4:32:38
